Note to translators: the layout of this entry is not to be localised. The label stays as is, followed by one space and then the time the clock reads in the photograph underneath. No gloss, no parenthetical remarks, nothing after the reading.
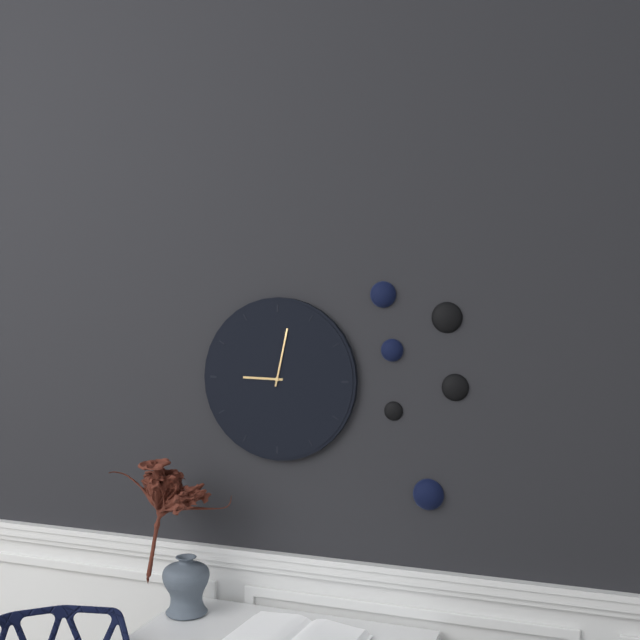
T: 9:02
